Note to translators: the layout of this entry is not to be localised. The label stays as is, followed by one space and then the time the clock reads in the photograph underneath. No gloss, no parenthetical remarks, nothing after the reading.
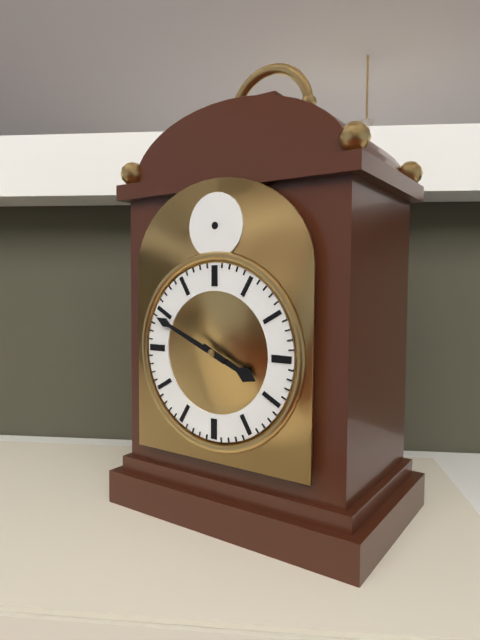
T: 3:49
